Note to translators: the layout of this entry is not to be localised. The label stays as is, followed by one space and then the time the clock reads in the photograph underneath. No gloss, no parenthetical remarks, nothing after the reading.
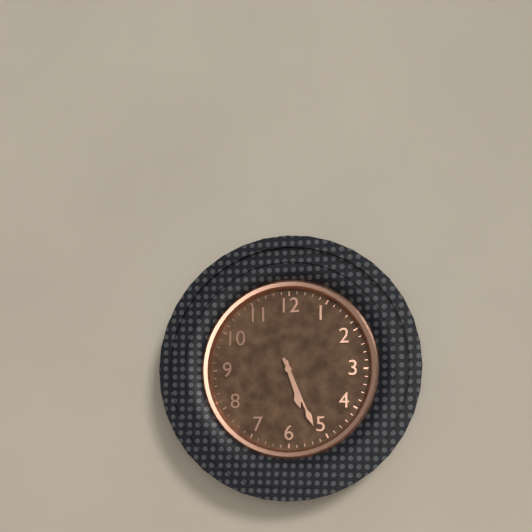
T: 5:26
